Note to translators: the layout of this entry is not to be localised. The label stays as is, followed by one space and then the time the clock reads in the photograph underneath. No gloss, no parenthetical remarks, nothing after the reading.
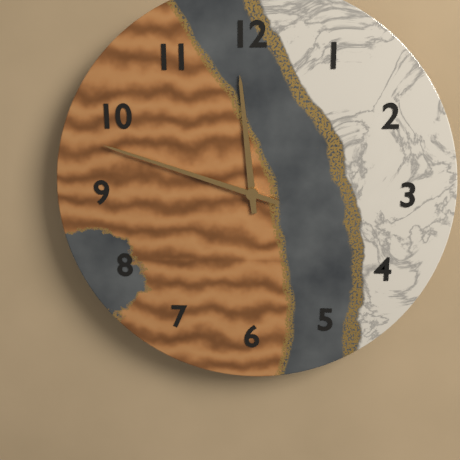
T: 11:48
